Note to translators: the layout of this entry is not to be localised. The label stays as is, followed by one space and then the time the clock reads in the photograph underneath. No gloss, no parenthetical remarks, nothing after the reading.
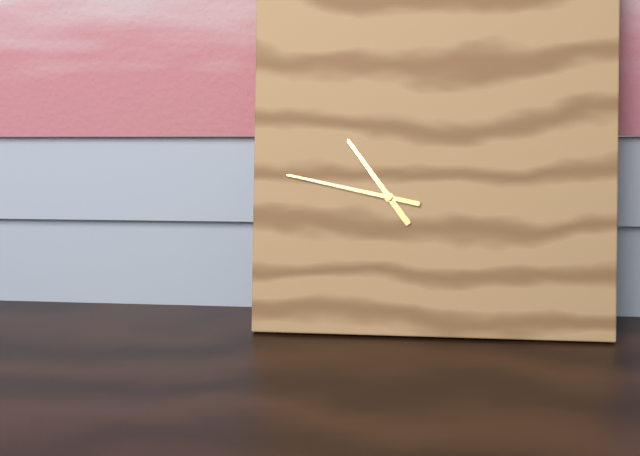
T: 10:47
